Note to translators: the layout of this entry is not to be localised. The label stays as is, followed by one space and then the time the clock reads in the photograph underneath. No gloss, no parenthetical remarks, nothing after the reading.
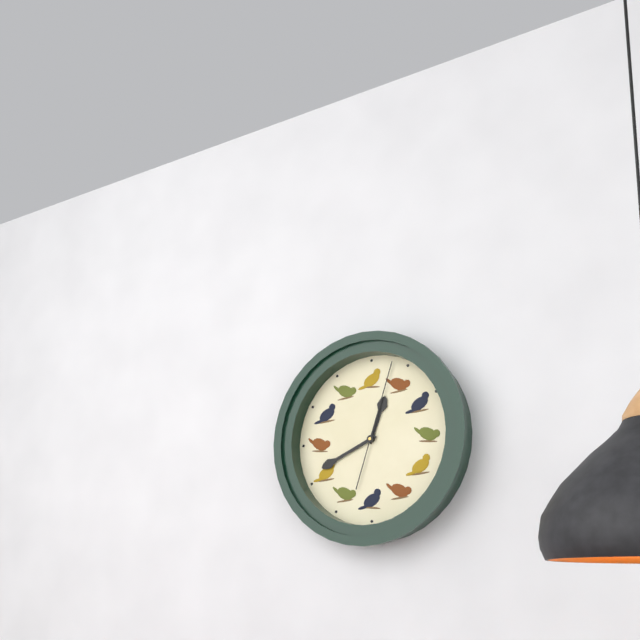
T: 12:41:03
